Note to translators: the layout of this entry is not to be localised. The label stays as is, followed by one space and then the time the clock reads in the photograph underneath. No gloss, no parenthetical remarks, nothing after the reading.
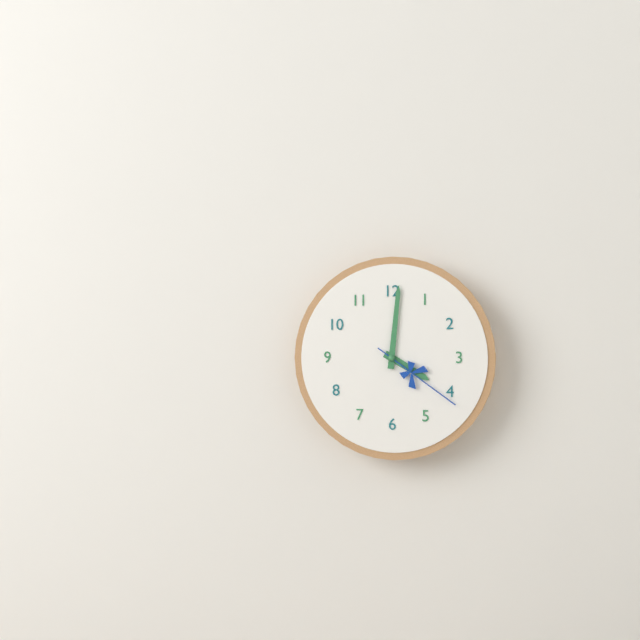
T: 4:01:21
